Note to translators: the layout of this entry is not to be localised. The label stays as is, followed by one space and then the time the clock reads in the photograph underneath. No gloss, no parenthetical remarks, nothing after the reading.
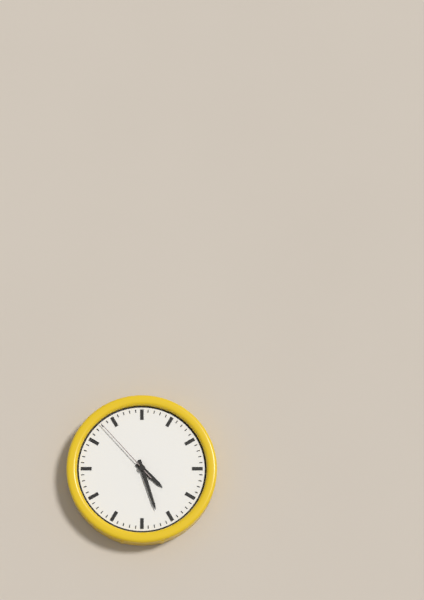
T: 4:27:53
